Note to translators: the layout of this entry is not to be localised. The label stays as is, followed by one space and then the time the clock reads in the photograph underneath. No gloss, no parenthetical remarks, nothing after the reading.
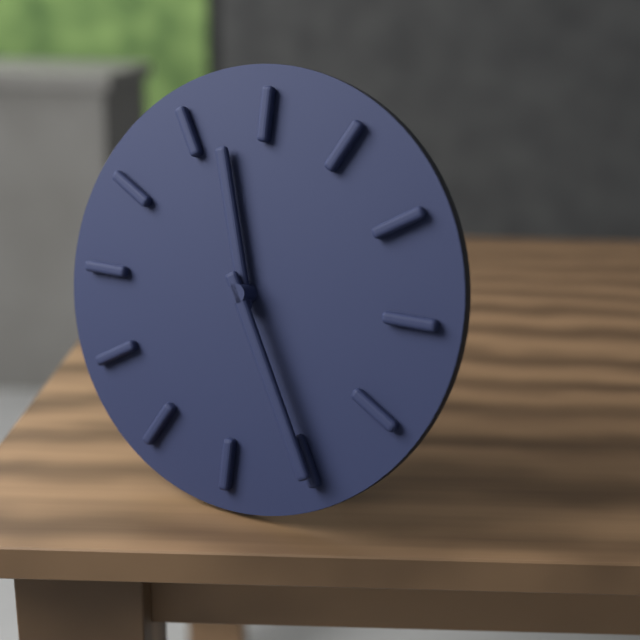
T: 11:25
